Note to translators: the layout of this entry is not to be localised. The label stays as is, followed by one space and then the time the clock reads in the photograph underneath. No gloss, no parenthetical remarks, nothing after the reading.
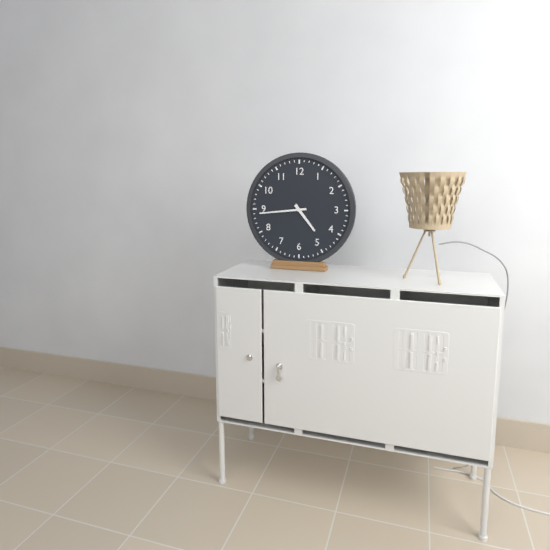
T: 4:44
